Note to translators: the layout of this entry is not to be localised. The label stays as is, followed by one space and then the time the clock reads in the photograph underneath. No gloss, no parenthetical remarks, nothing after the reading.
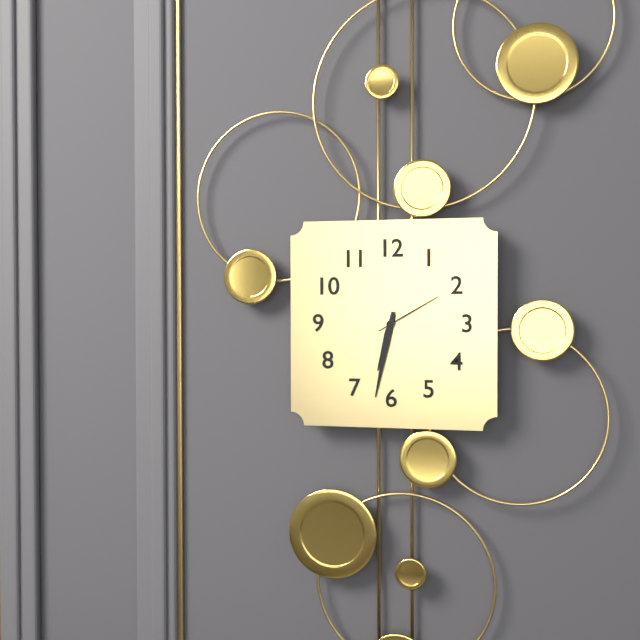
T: 6:32:10
